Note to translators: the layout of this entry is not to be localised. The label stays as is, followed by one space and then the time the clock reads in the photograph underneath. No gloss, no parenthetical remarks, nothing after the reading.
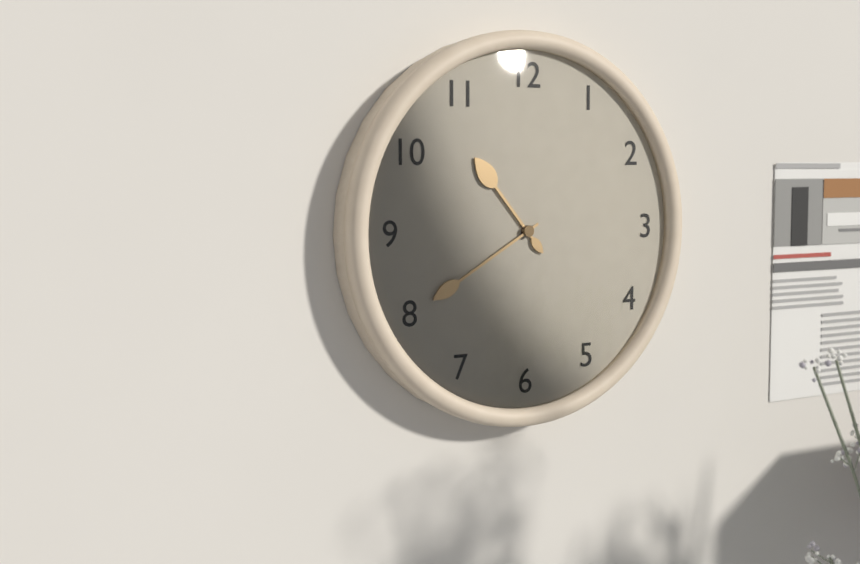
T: 10:40
